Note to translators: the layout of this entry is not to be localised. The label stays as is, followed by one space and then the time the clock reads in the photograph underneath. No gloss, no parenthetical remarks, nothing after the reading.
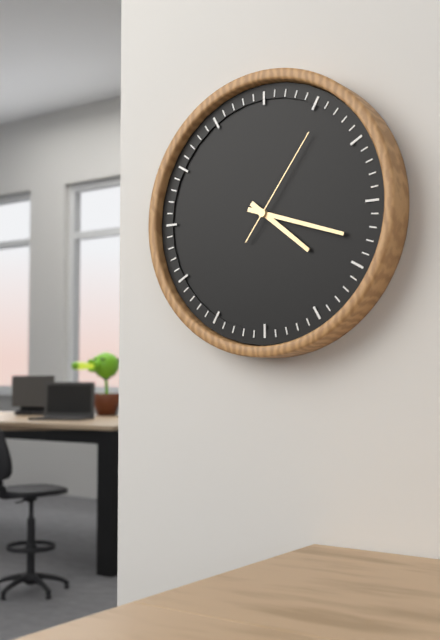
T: 4:18:06
